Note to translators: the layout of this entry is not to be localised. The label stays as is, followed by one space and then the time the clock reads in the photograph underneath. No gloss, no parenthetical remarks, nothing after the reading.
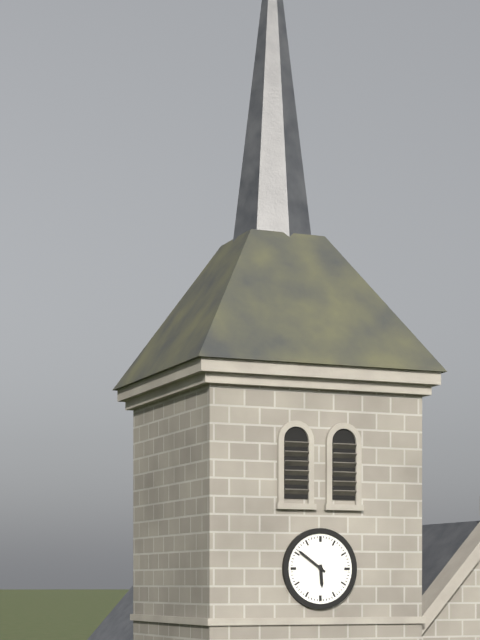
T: 5:51
